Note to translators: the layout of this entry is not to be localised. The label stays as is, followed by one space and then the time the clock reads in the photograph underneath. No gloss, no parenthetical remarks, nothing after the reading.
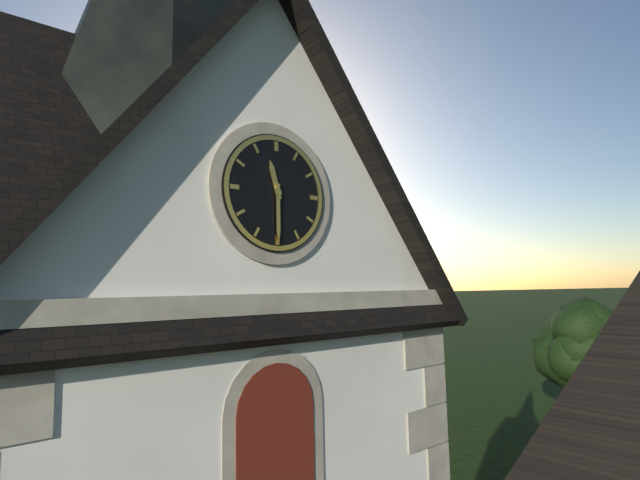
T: 11:30
